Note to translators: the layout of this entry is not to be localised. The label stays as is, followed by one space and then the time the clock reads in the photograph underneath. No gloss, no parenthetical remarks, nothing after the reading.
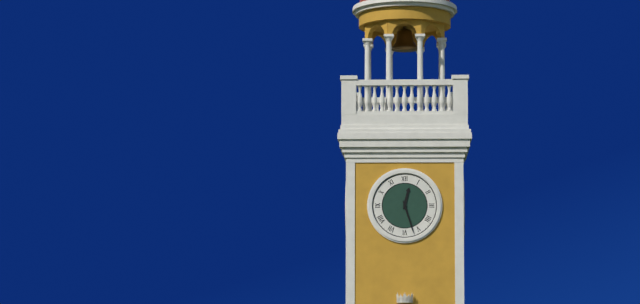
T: 12:27
